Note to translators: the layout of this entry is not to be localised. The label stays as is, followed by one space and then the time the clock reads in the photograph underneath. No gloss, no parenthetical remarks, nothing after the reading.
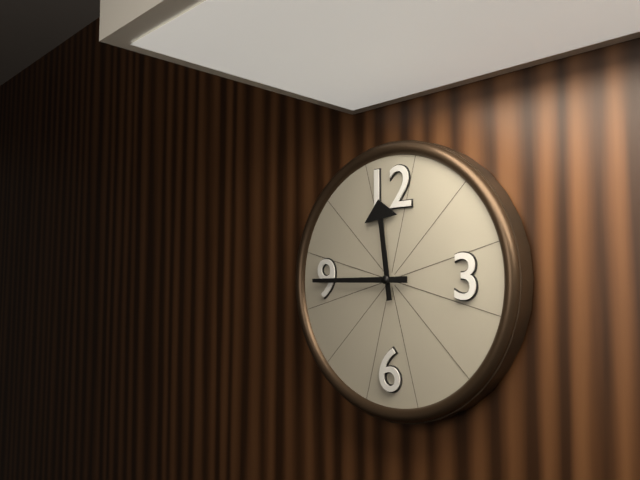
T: 11:45
